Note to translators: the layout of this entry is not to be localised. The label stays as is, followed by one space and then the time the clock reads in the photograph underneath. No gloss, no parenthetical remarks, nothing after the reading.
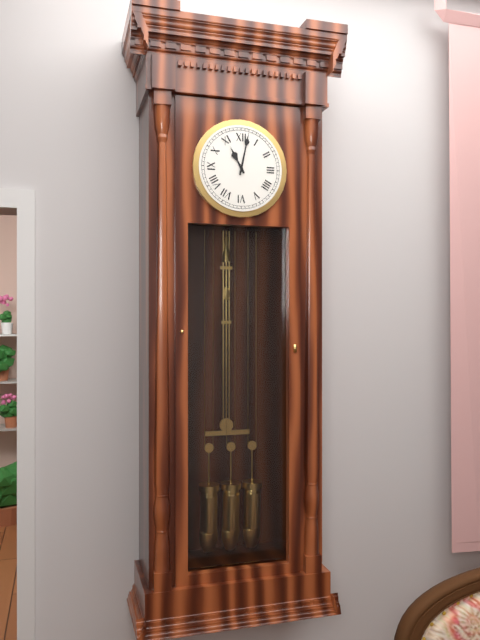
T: 11:02
